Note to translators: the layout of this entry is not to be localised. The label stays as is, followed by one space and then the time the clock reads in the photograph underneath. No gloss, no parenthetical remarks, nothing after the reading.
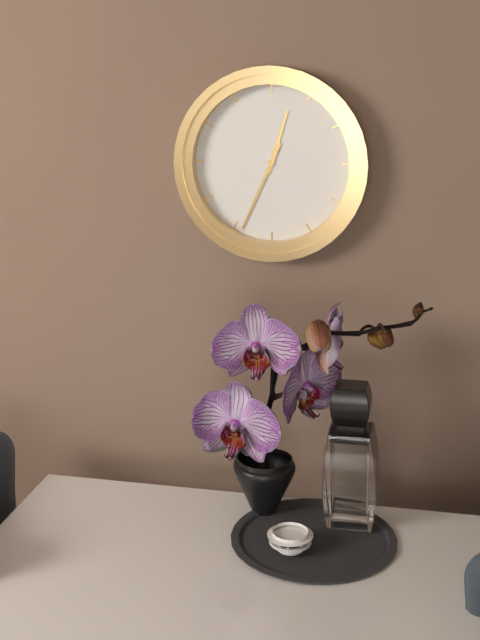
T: 12:34
